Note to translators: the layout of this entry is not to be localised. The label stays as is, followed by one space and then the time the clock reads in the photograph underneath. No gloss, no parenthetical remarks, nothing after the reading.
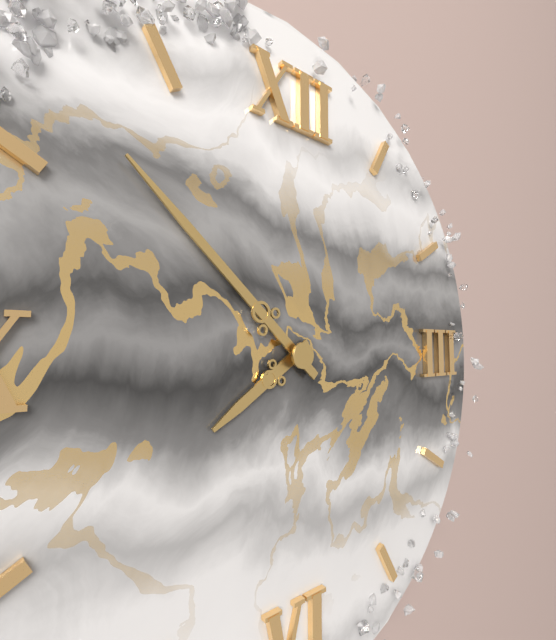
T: 7:52
